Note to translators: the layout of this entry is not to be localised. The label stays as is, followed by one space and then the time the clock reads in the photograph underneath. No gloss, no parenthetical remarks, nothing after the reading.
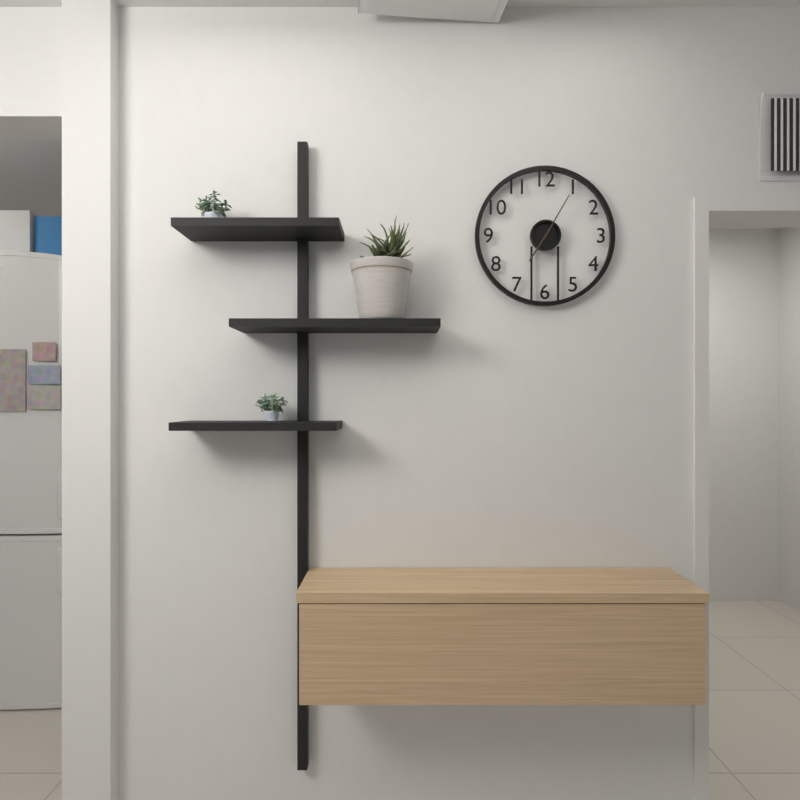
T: 7:05
